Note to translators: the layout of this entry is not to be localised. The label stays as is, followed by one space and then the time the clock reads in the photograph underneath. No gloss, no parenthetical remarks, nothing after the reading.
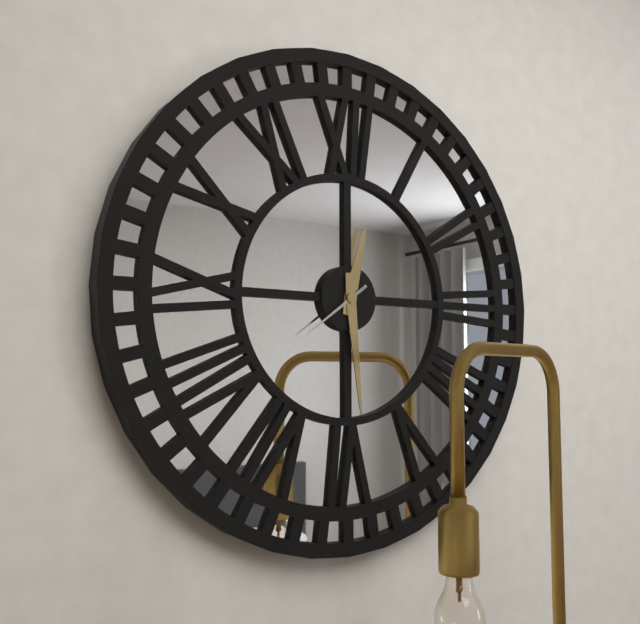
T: 12:29:39
